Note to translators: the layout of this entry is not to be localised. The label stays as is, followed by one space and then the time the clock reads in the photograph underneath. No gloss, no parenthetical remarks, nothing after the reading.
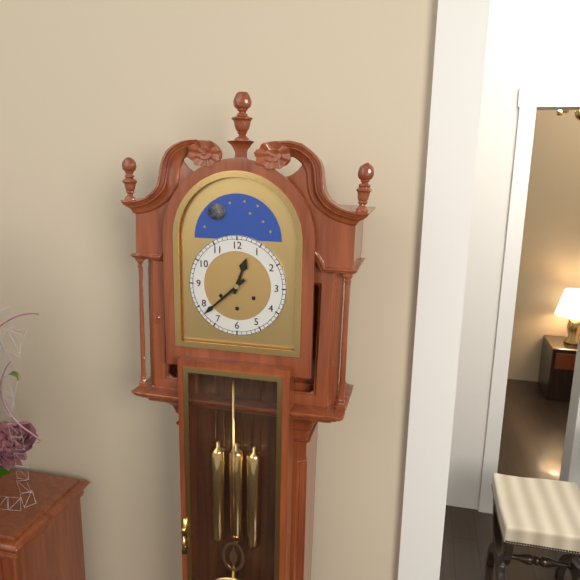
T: 12:38
